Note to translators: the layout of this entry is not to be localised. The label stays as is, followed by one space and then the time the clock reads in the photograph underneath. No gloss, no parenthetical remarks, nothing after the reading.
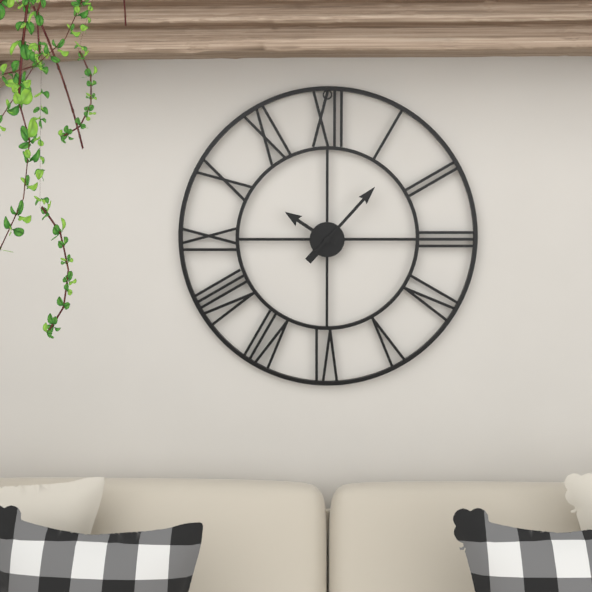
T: 10:07
